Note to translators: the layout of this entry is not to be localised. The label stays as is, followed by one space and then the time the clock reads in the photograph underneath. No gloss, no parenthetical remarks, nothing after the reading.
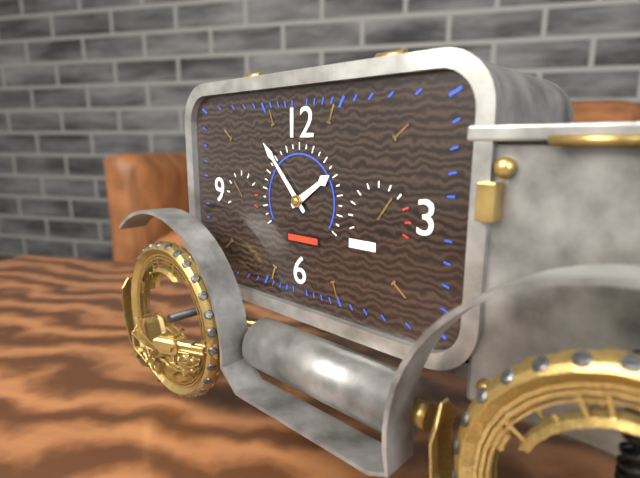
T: 1:53
